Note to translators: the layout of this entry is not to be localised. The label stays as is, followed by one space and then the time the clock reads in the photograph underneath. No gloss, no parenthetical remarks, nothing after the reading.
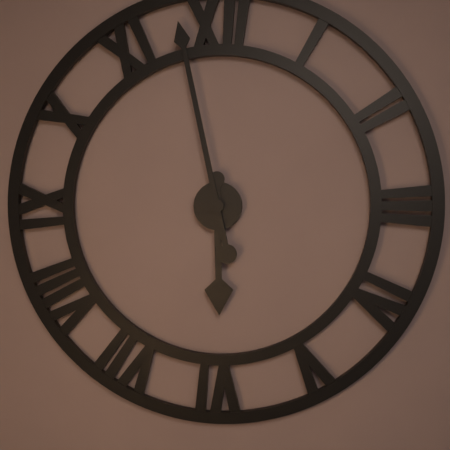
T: 5:58
